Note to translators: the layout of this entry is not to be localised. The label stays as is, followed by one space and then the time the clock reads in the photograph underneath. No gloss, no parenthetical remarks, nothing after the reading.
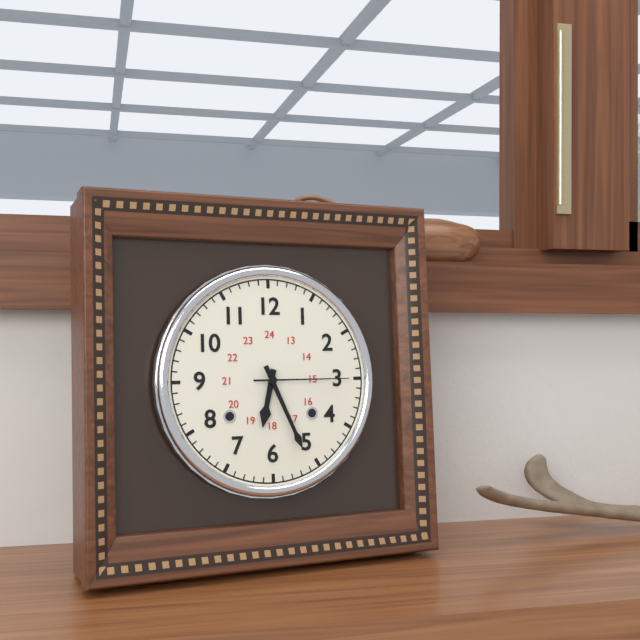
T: 6:26:15
